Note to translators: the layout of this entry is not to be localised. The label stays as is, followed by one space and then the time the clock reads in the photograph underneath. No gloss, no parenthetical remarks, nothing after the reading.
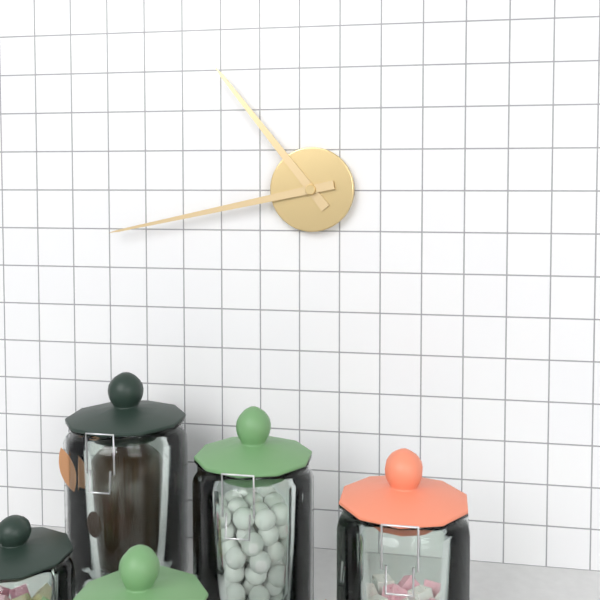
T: 10:43
